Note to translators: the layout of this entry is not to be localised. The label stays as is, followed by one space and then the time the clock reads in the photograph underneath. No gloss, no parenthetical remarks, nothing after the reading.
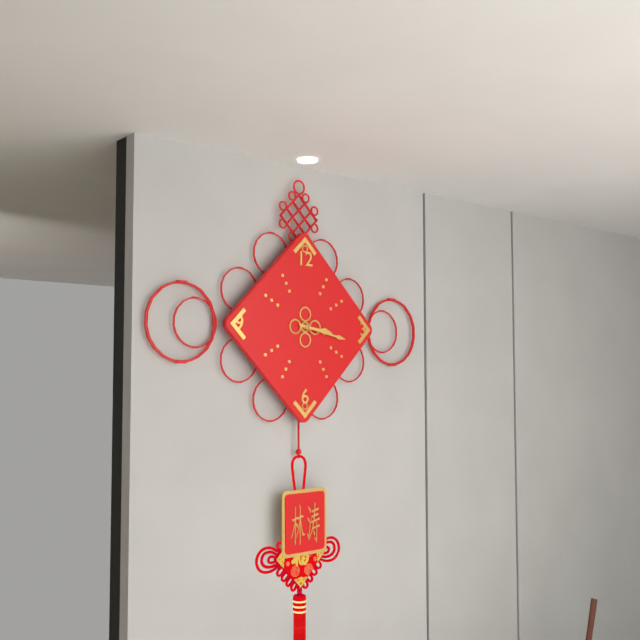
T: 3:17
